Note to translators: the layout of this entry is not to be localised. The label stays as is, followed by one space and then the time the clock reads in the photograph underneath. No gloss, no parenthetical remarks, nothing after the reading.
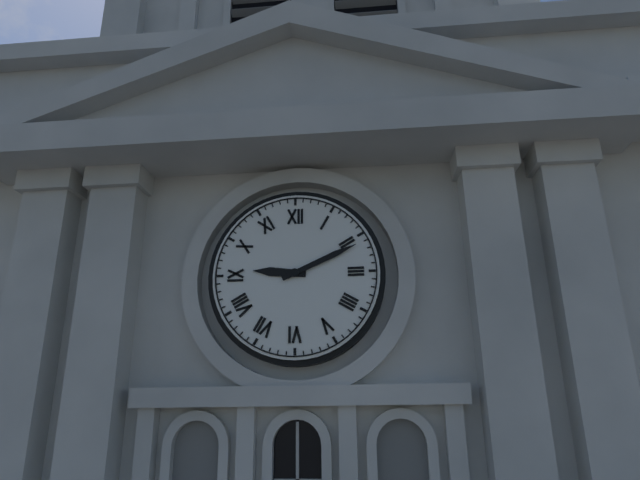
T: 9:11
